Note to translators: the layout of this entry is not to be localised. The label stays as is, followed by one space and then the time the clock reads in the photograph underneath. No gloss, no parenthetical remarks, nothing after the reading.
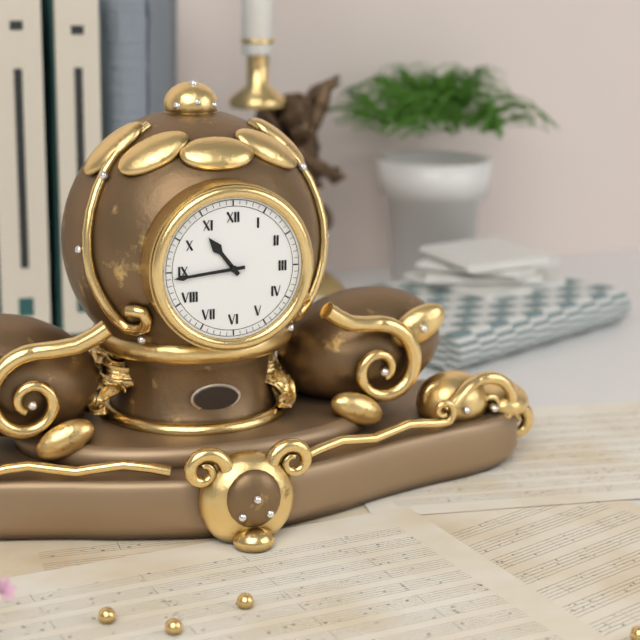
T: 10:44
